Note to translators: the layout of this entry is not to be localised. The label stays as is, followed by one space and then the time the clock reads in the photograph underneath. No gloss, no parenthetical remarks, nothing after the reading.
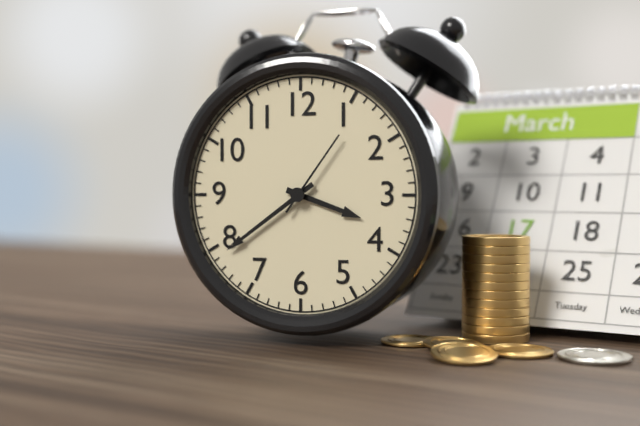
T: 3:39:06
